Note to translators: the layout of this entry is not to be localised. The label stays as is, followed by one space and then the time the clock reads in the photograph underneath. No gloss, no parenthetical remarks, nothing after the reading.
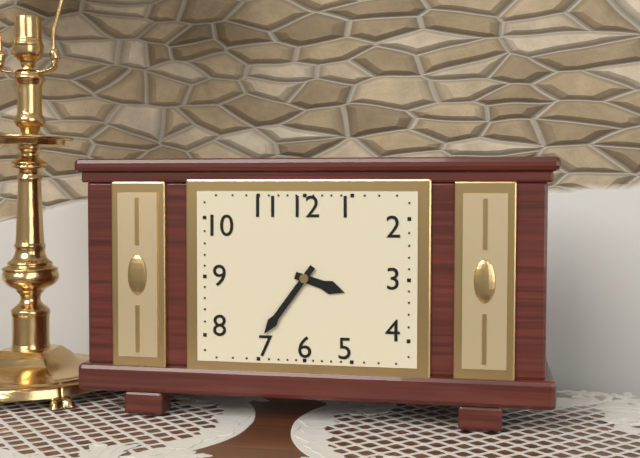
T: 3:36
